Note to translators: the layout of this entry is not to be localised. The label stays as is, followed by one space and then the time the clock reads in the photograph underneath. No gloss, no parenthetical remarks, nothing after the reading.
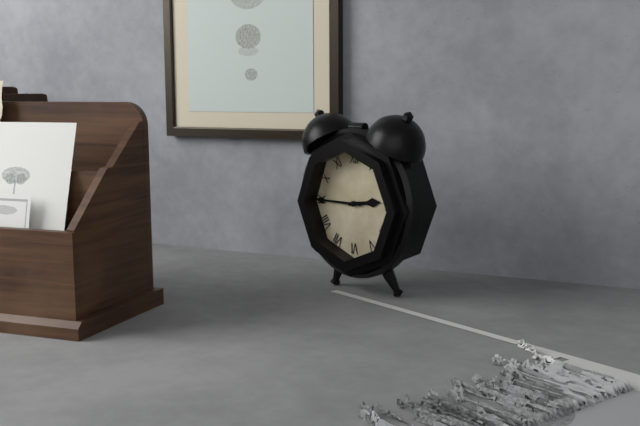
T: 2:45
